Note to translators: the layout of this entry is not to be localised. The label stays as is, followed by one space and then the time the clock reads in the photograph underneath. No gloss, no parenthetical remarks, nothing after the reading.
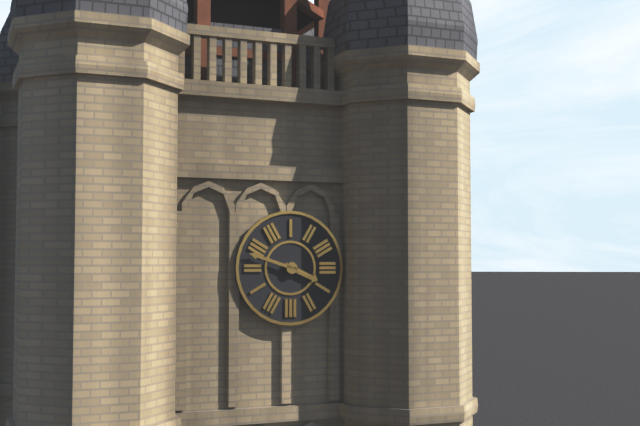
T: 3:48
